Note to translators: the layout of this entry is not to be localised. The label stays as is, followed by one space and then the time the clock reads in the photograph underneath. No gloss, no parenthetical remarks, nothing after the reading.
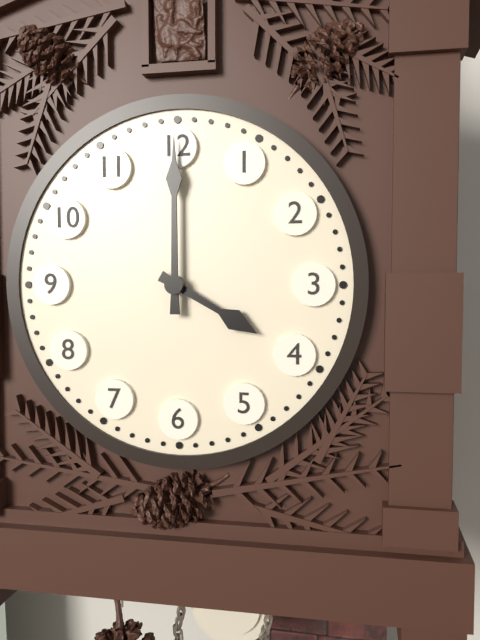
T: 4:00
